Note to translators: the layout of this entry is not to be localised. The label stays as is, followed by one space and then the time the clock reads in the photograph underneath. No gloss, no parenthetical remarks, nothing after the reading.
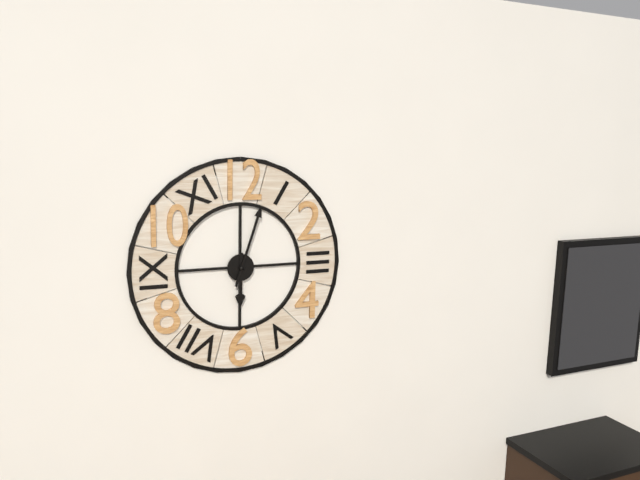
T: 6:03
